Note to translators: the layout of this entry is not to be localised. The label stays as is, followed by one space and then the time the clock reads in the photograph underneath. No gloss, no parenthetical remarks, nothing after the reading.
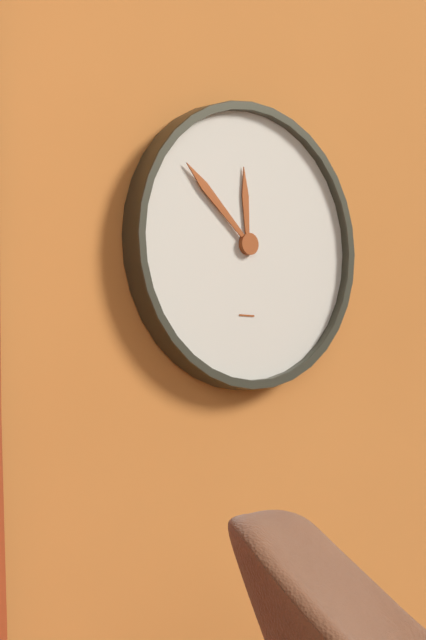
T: 11:52
